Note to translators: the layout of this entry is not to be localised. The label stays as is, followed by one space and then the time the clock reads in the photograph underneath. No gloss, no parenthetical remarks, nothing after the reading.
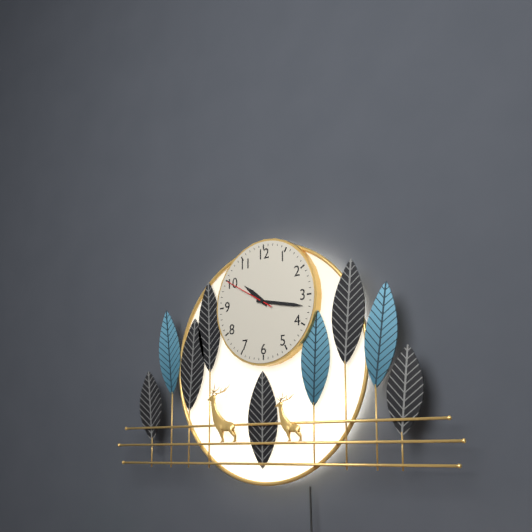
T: 10:17:50
